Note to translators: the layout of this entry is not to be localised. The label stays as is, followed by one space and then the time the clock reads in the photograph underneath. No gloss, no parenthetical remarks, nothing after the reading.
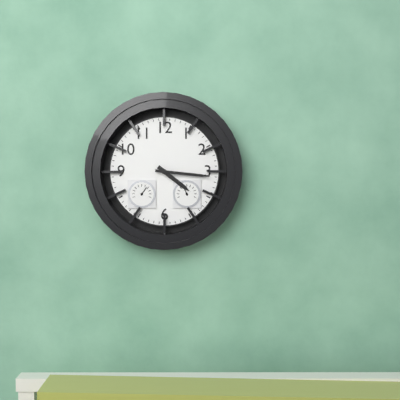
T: 4:16
